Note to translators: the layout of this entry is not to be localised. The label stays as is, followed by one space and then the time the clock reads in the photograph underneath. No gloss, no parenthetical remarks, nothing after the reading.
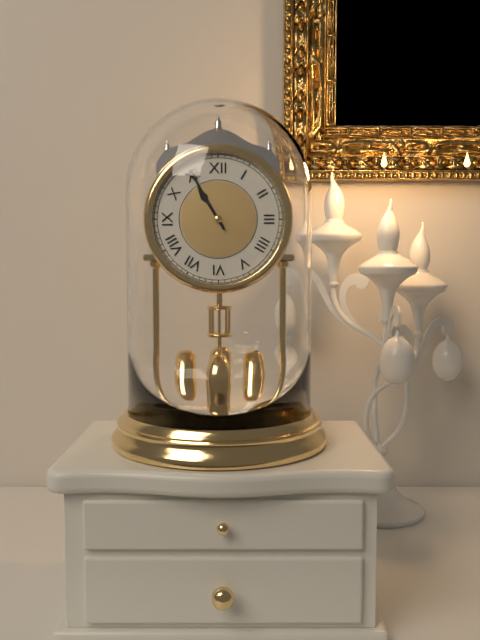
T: 10:55
